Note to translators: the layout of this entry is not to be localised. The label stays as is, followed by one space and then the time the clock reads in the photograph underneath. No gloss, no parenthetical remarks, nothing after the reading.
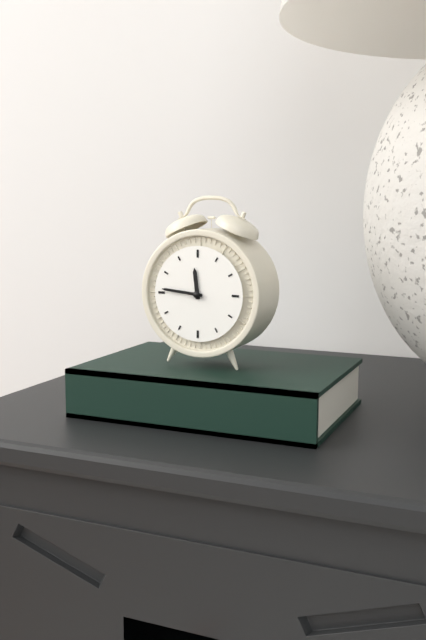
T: 11:46
